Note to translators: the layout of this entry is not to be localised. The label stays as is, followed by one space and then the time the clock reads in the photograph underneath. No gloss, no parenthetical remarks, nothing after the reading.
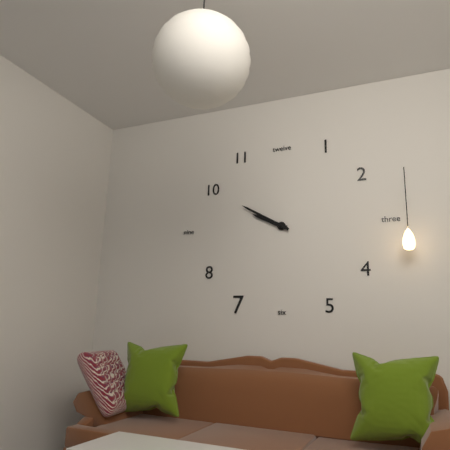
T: 9:50
